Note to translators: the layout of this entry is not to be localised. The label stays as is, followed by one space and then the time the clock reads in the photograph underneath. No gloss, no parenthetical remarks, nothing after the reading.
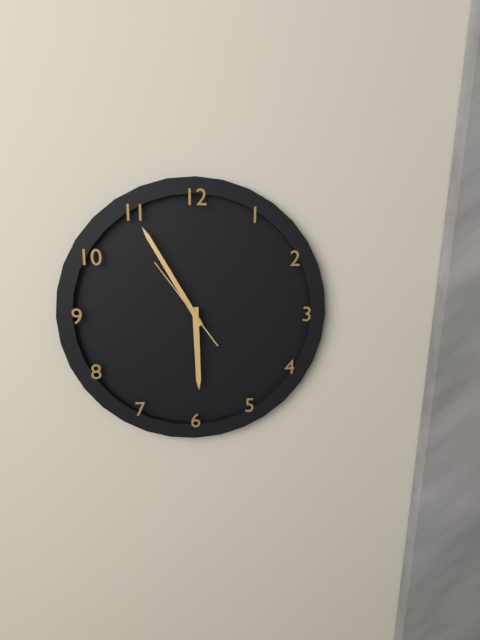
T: 5:55:54
